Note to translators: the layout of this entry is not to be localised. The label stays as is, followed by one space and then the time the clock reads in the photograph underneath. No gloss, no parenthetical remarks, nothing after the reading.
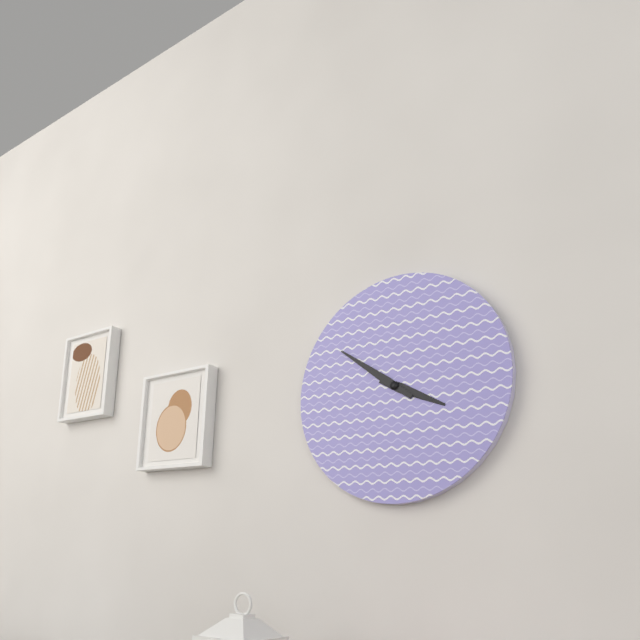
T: 3:51
